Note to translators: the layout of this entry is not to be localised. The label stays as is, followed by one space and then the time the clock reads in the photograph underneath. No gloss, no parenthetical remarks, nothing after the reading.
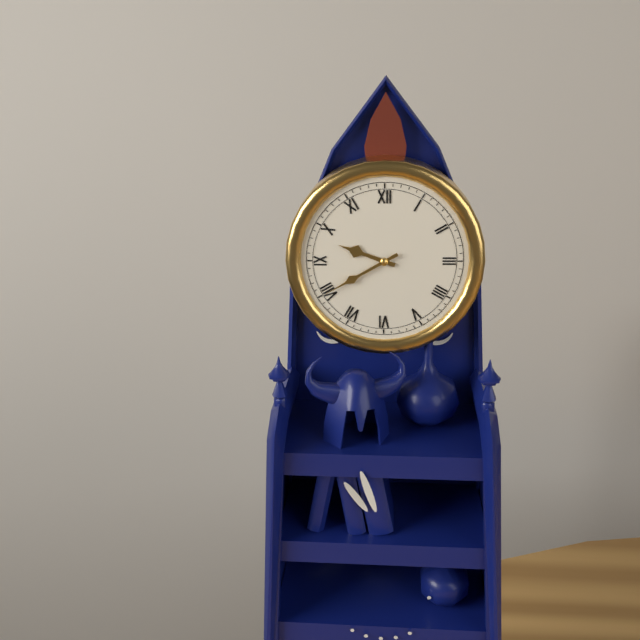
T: 9:40
